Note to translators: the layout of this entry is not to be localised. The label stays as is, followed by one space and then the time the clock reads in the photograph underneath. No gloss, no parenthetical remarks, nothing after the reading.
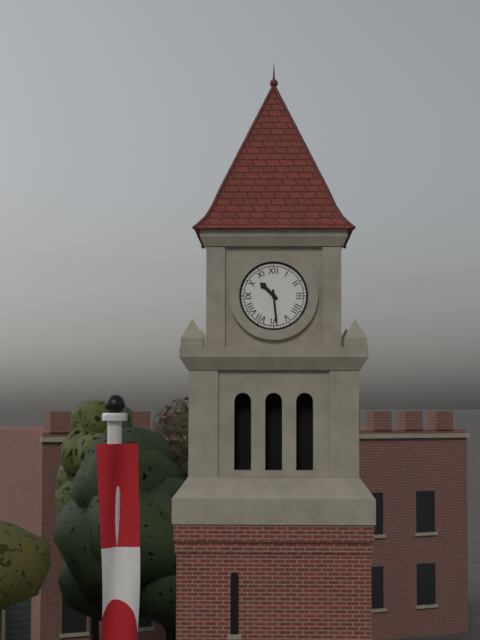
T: 10:29
